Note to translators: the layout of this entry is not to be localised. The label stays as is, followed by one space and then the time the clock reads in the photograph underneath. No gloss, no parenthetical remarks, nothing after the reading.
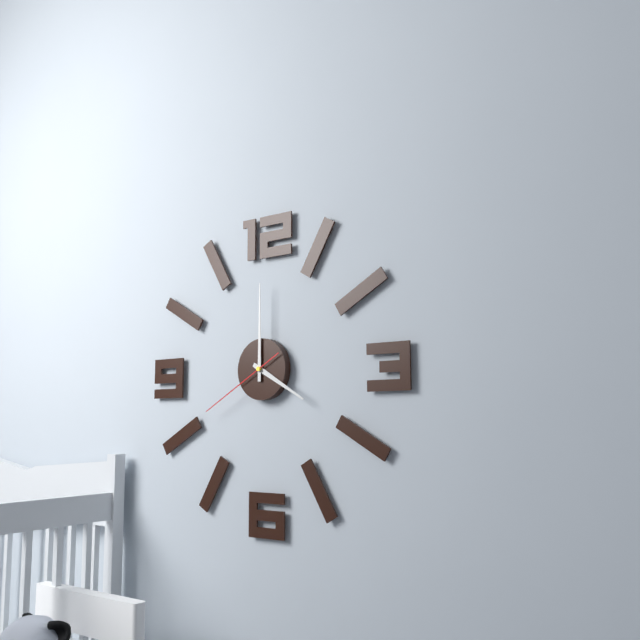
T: 4:00:40
